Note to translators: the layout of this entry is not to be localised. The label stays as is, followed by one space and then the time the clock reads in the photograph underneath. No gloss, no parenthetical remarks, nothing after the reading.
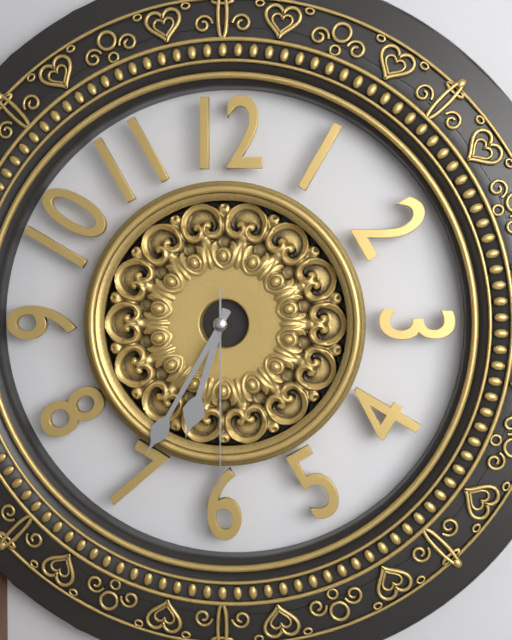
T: 6:35:30
